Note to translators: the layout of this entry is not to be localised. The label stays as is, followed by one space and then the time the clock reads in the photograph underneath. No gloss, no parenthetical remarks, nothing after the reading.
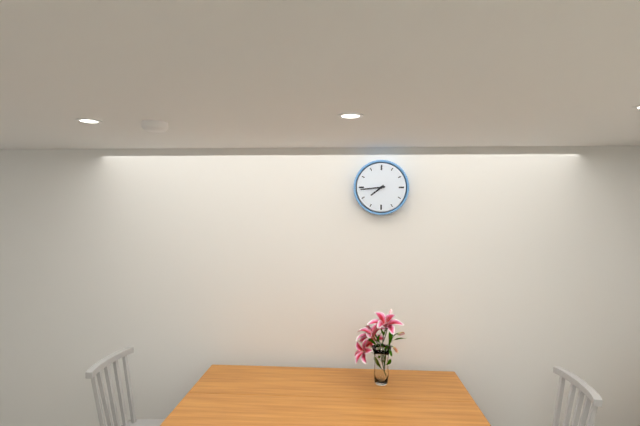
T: 7:44
